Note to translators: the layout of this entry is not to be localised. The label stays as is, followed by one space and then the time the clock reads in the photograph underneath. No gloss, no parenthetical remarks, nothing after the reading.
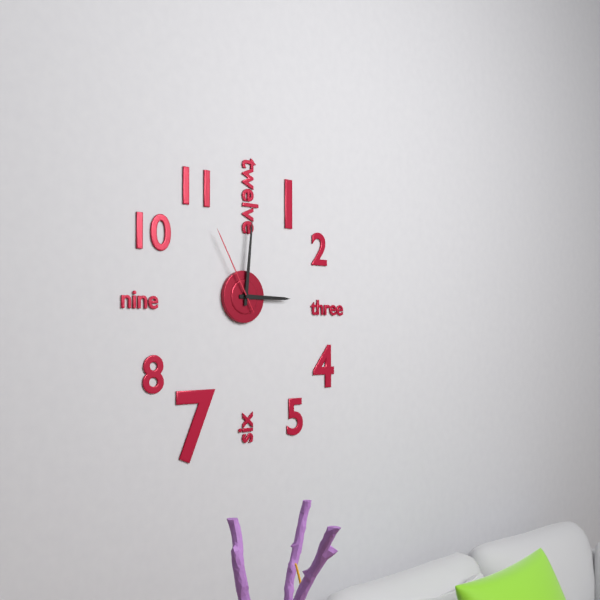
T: 3:01:55
